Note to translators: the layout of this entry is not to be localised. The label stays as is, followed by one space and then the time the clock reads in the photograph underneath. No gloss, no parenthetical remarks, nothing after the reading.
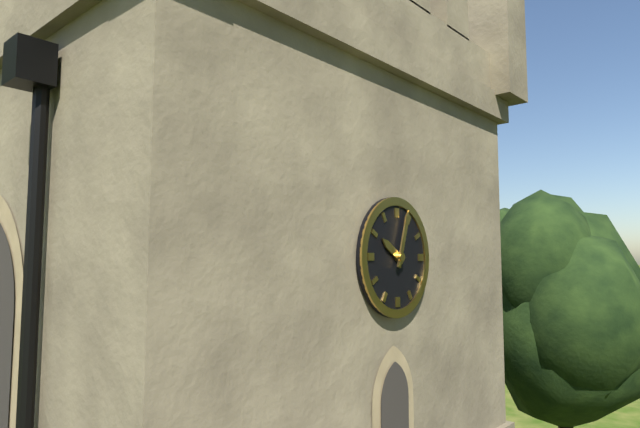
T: 10:03
